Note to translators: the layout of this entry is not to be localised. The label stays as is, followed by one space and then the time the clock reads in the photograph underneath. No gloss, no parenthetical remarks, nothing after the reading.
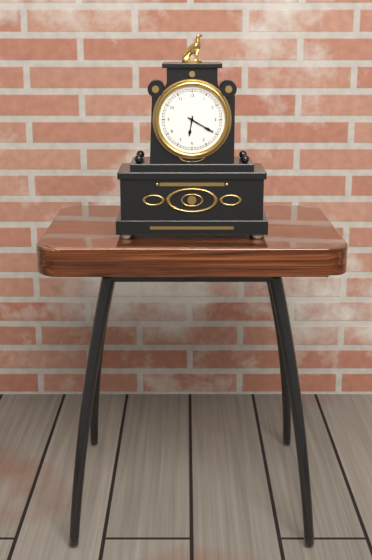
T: 6:20
